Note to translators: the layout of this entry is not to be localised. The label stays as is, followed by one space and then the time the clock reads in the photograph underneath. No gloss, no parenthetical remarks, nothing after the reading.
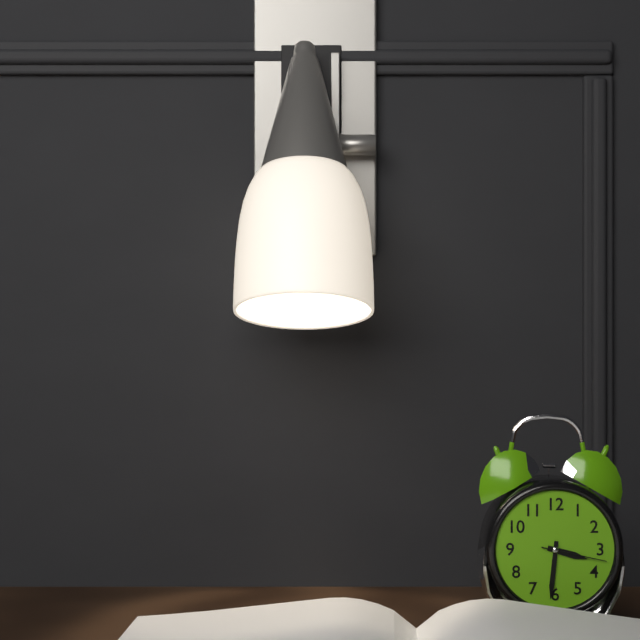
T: 3:31:17
